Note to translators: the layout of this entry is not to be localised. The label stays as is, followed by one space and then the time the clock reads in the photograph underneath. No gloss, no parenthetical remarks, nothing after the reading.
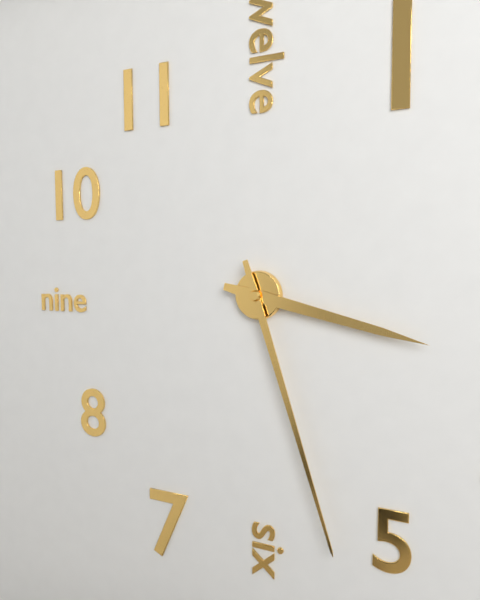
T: 3:27
